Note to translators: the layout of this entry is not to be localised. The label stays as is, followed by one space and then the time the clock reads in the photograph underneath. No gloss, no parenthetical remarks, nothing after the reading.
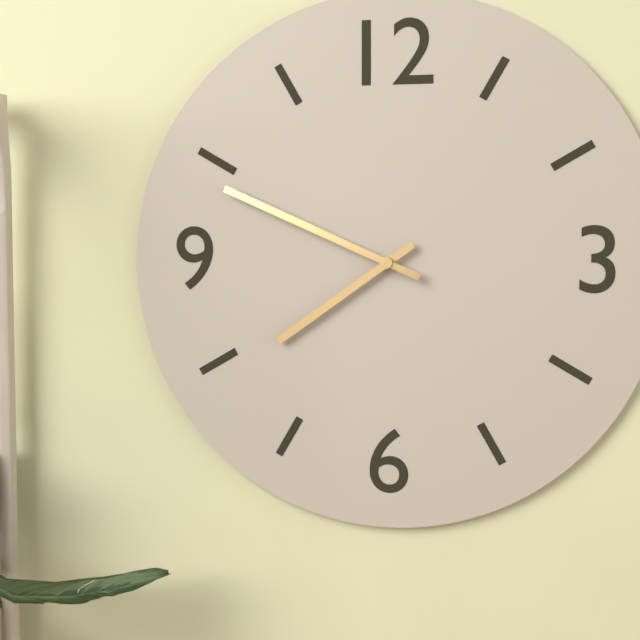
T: 7:49
